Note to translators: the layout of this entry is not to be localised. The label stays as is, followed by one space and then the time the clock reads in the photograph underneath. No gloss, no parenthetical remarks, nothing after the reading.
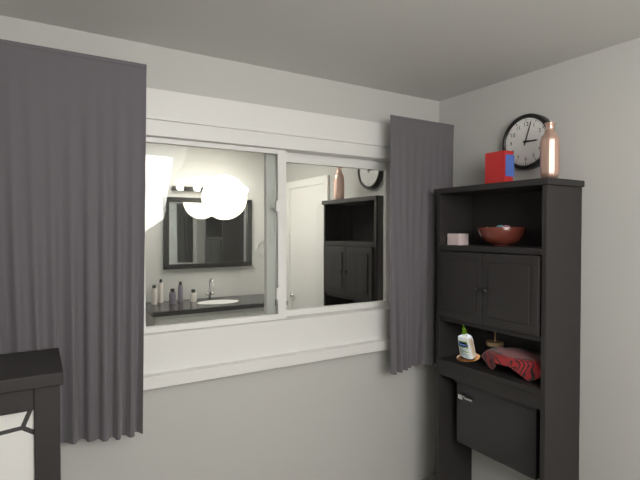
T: 3:03
